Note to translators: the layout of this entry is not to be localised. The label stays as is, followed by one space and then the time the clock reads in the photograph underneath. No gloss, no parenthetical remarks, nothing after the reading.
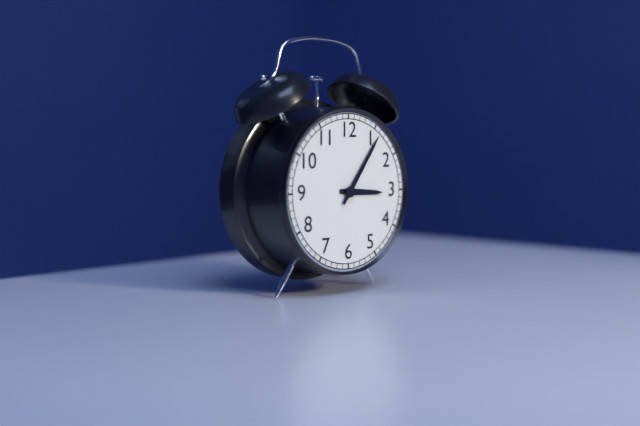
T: 3:06
